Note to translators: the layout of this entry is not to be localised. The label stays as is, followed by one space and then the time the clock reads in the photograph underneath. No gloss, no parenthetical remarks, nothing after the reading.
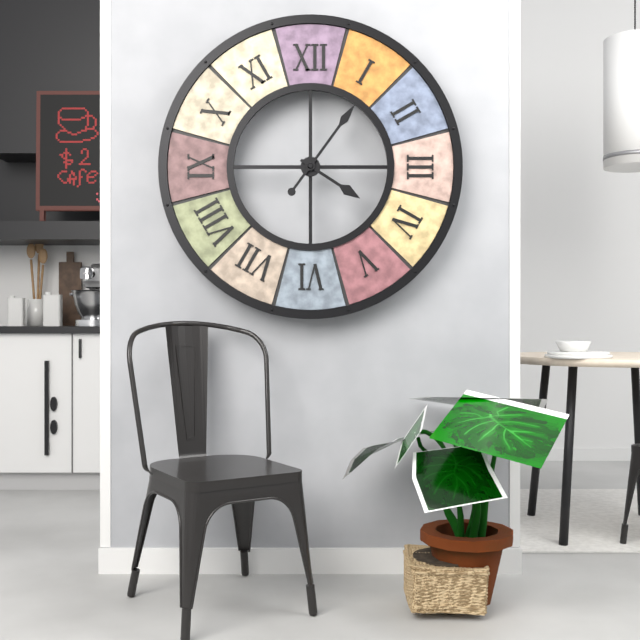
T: 4:06
